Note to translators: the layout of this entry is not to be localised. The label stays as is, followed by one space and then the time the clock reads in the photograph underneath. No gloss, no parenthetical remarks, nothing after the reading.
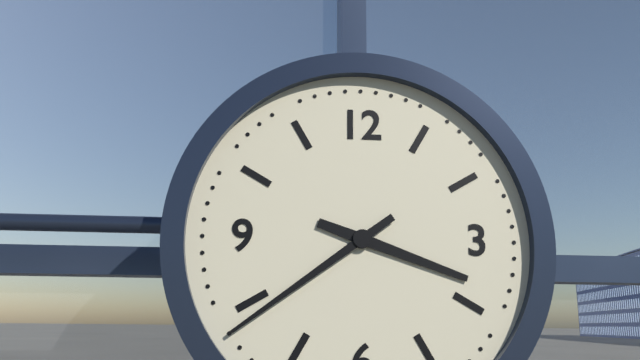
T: 3:39
